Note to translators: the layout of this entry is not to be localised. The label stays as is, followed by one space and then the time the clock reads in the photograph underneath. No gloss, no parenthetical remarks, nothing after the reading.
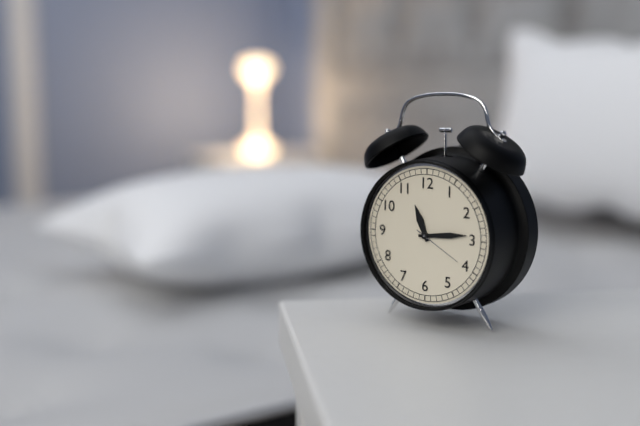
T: 11:14:20
